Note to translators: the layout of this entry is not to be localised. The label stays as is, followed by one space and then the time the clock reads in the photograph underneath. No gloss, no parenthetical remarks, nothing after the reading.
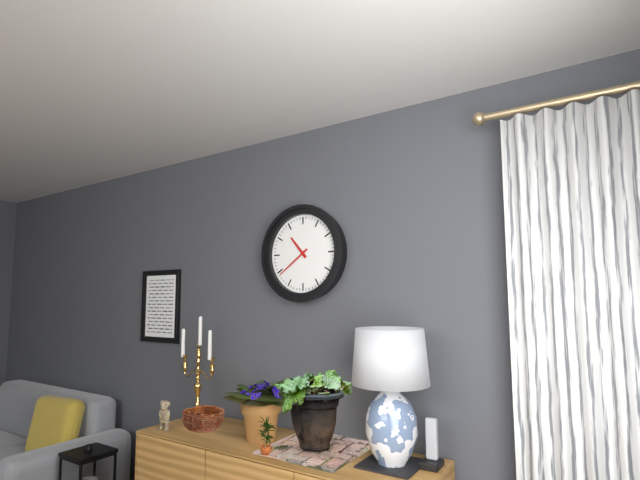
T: 10:39
